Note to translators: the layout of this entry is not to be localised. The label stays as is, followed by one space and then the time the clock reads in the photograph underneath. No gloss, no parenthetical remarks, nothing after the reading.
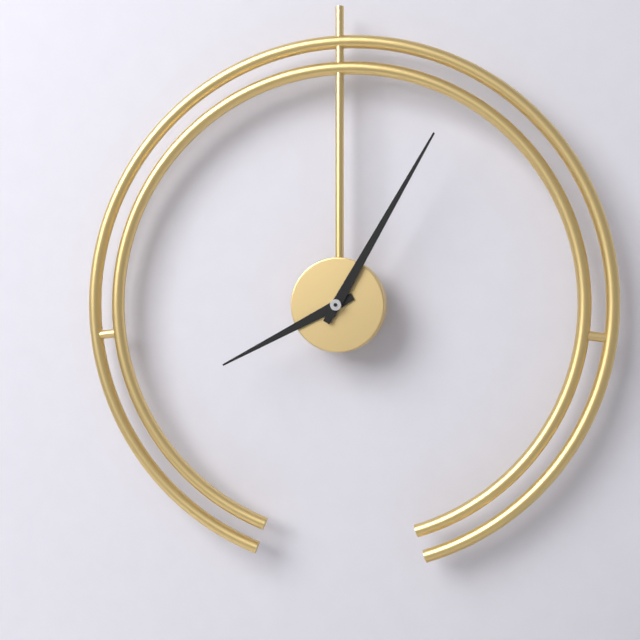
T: 8:05
